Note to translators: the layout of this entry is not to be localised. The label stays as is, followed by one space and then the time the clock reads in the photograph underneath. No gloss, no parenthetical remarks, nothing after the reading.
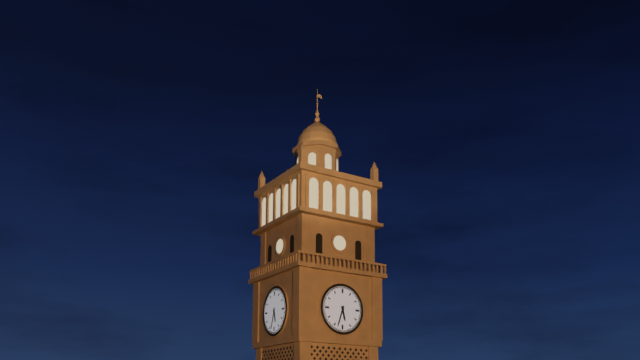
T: 5:33
